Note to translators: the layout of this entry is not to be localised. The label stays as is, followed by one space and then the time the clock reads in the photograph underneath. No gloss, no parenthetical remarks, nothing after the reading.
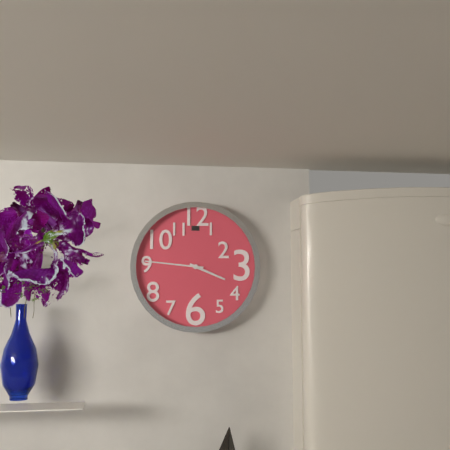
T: 3:46
